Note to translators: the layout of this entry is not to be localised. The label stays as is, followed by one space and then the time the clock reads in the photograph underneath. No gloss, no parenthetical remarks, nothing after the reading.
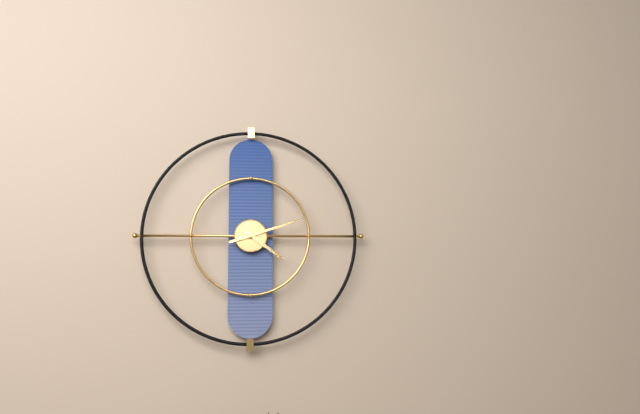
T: 4:12
